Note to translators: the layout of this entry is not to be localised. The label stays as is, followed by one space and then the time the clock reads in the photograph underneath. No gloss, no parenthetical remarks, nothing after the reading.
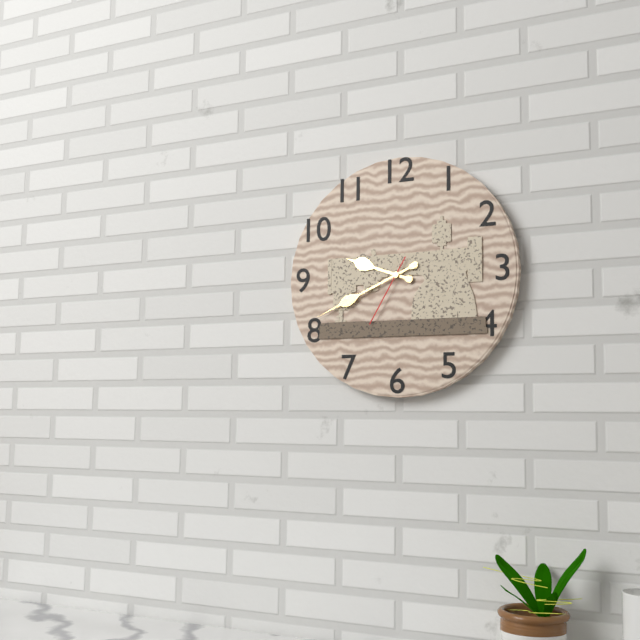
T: 9:41:35
